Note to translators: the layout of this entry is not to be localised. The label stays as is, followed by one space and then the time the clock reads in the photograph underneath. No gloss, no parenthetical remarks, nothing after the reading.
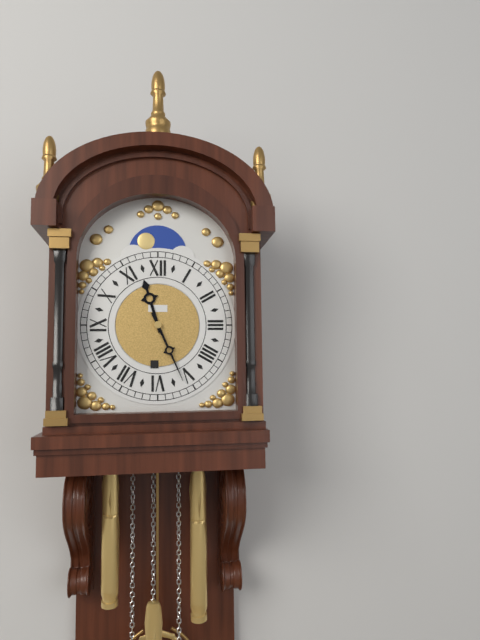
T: 11:26
